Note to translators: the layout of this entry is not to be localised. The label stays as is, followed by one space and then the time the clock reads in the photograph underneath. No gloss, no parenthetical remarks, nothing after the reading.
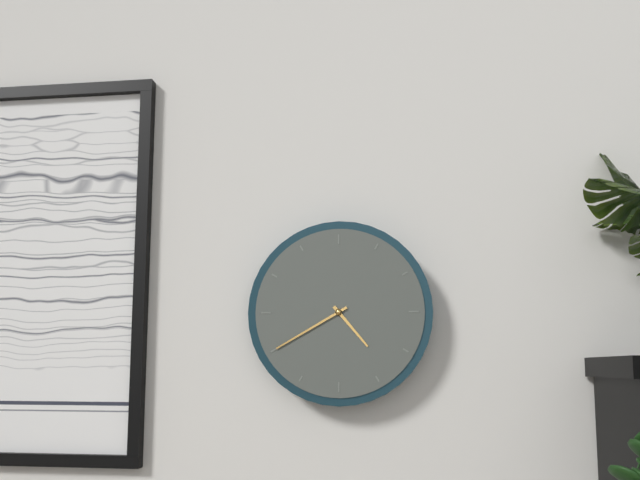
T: 4:40
